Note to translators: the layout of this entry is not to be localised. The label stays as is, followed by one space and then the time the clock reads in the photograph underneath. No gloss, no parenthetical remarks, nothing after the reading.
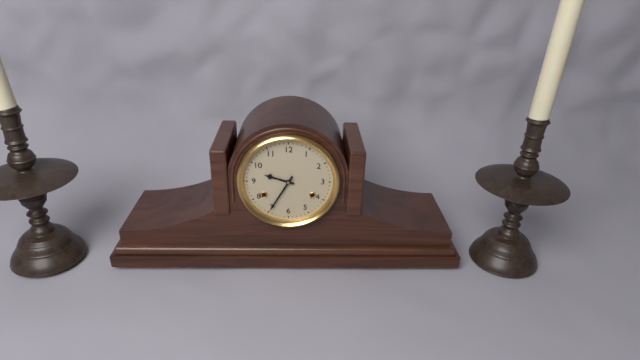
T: 9:35
